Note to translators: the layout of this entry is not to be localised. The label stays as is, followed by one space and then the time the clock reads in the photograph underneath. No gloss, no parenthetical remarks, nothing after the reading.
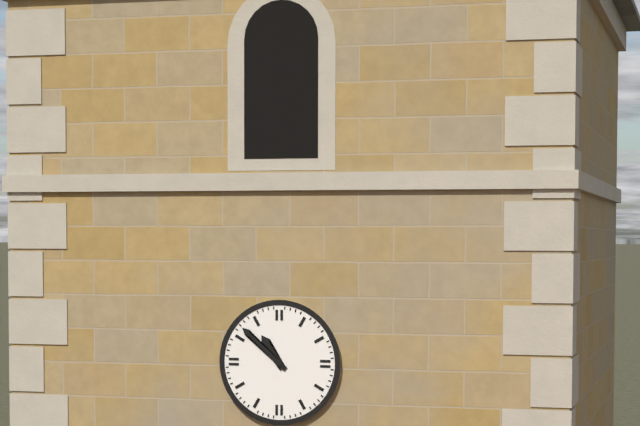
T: 10:52
